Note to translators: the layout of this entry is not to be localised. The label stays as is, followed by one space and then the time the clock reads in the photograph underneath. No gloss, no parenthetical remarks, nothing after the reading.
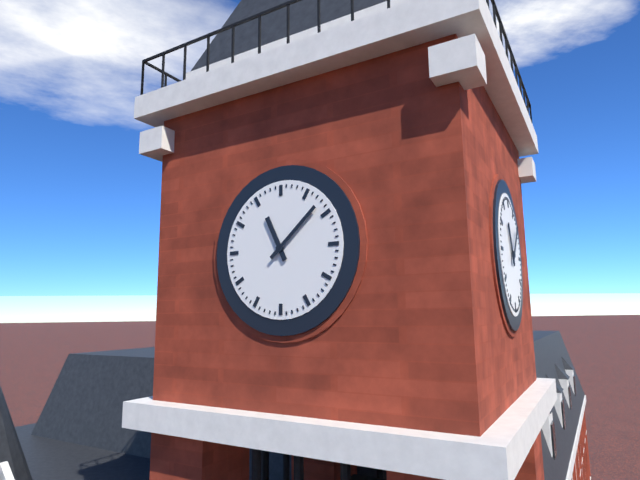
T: 11:08
